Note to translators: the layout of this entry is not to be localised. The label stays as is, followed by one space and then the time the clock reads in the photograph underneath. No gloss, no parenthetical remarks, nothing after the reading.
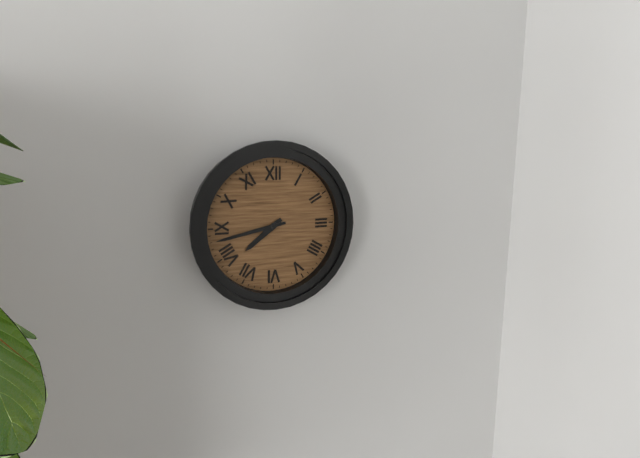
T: 7:43
